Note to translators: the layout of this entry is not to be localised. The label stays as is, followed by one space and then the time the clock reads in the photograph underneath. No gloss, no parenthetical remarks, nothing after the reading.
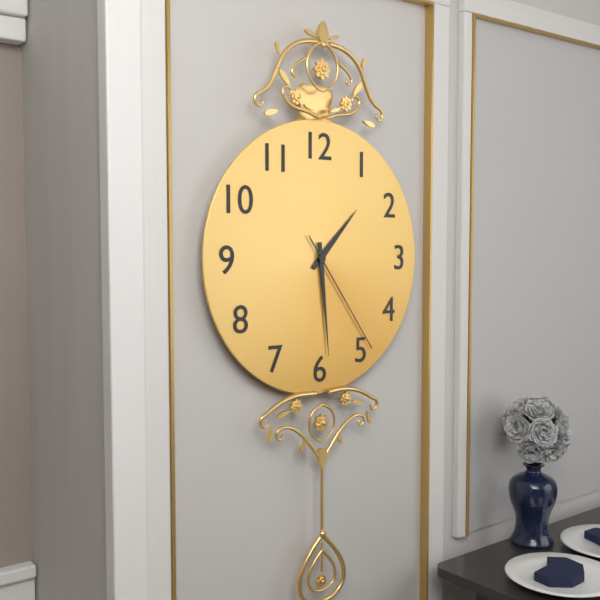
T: 1:29:24
